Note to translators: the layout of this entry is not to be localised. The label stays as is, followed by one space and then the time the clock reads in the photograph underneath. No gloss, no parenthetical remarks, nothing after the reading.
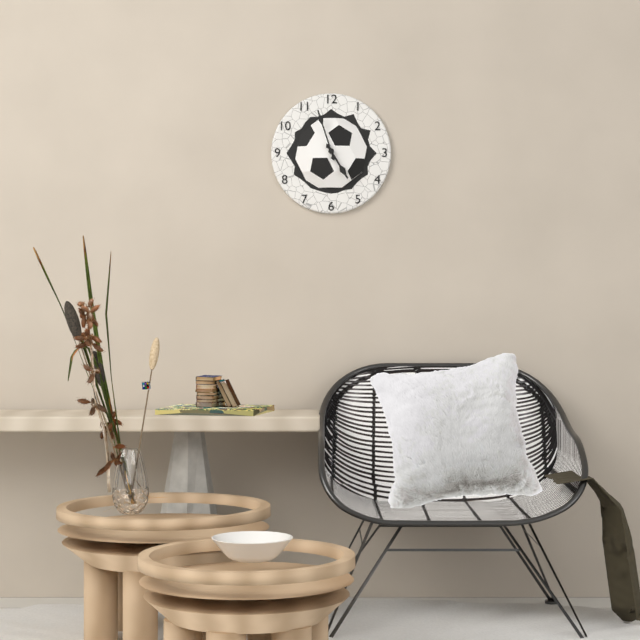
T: 4:57
